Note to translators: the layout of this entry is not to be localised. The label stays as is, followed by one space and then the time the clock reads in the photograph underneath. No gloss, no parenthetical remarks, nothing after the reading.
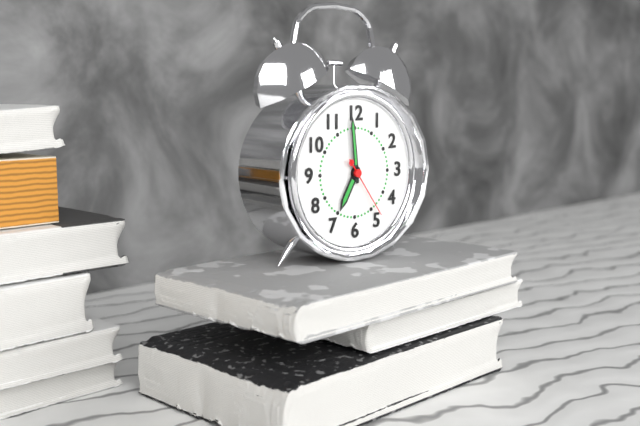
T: 6:59:24
